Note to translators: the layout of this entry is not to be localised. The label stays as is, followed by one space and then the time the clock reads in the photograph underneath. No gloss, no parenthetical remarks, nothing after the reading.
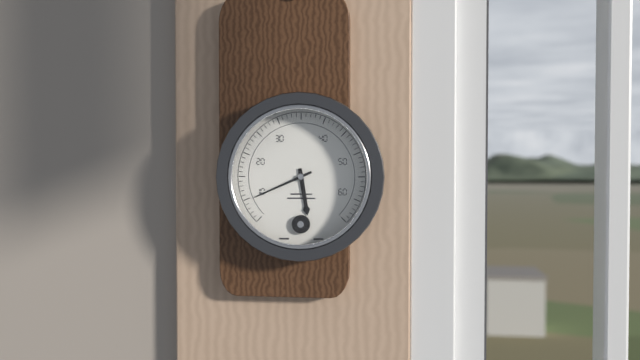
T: 5:41
